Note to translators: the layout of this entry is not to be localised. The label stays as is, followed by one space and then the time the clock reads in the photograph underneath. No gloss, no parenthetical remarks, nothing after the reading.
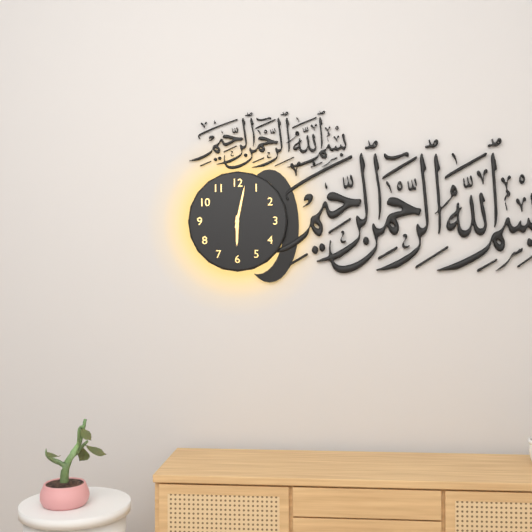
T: 6:02
